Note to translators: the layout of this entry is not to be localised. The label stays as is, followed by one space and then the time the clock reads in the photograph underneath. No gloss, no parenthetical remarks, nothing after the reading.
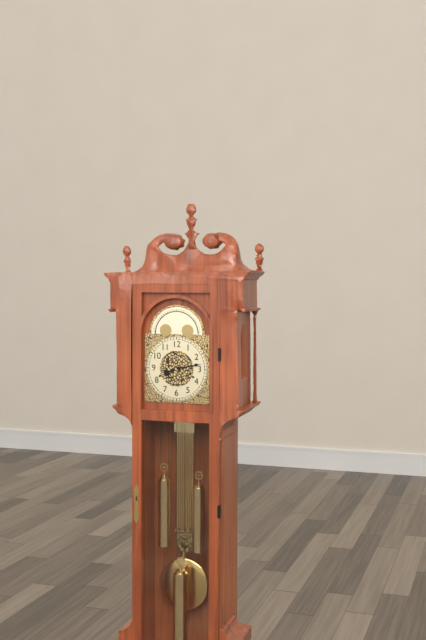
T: 8:13
